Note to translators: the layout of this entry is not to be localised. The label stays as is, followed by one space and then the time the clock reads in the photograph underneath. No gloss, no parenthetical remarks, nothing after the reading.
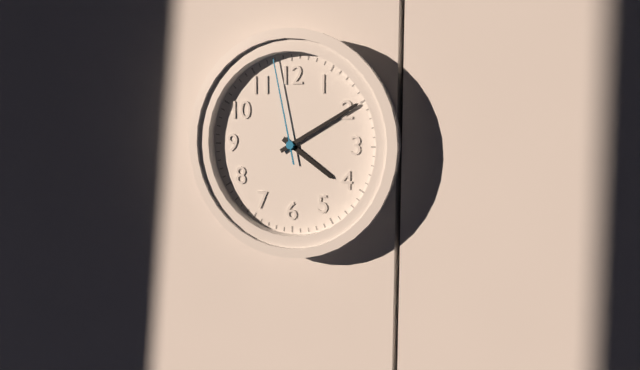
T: 4:10:58
